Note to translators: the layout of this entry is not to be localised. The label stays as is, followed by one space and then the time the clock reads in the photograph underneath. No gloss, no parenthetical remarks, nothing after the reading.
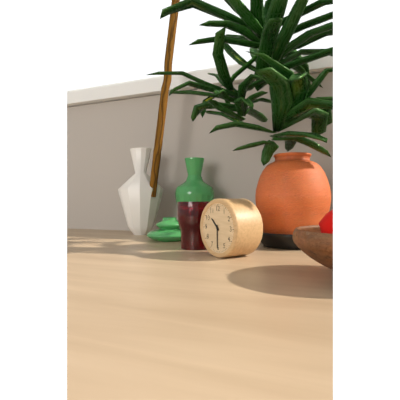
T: 10:30
